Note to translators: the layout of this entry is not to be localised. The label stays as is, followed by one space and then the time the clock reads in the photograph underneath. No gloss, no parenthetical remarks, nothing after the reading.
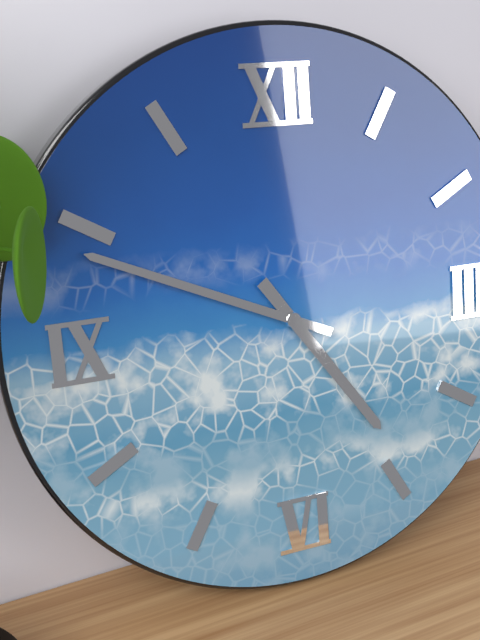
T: 4:49
